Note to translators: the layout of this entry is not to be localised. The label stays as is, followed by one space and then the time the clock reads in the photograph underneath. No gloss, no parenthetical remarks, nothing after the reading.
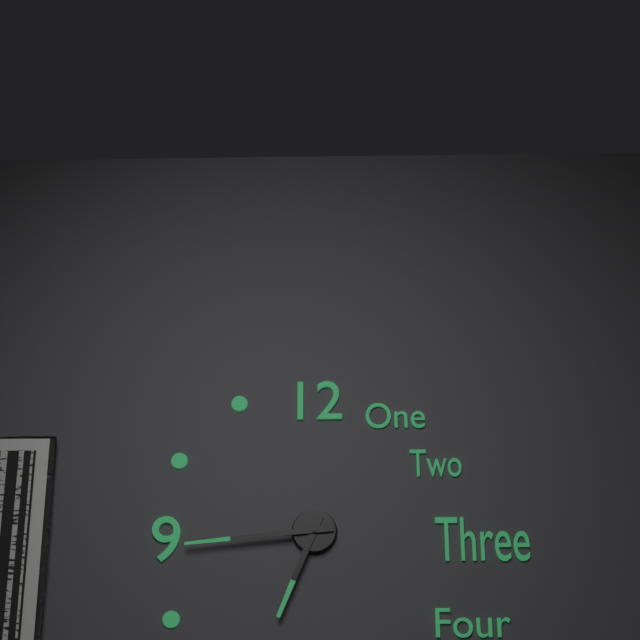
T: 6:44
